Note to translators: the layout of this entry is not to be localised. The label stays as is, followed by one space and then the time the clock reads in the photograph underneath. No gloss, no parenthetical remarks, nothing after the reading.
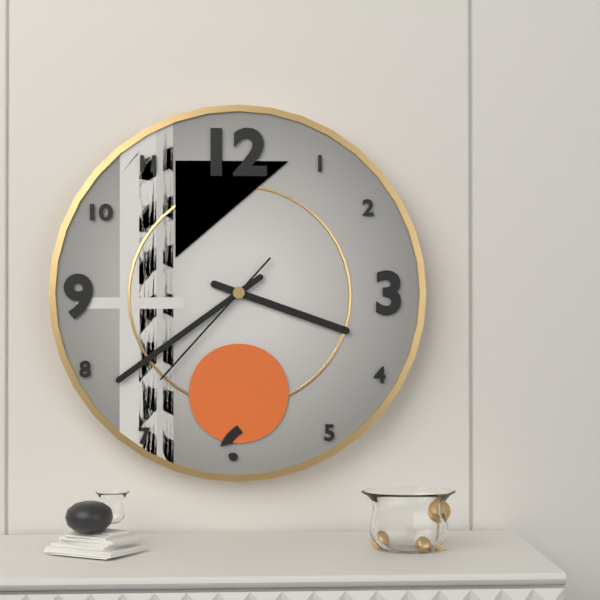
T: 3:39:37
